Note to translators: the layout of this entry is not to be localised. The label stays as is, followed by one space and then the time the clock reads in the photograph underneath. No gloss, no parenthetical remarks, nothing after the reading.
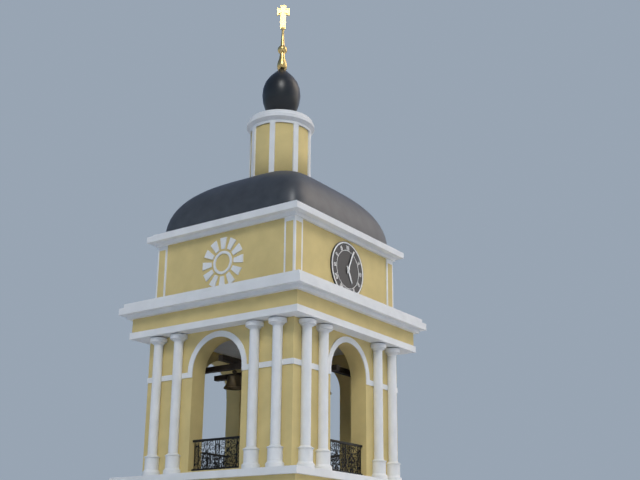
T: 5:04
